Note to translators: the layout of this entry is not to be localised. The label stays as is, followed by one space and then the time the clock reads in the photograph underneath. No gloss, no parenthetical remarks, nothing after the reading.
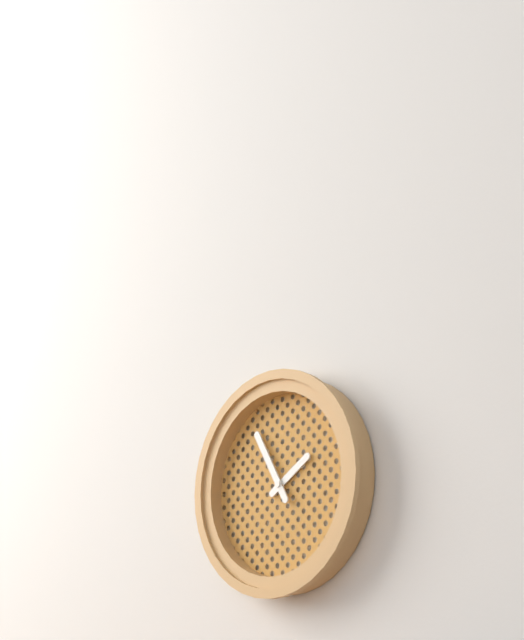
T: 1:55
